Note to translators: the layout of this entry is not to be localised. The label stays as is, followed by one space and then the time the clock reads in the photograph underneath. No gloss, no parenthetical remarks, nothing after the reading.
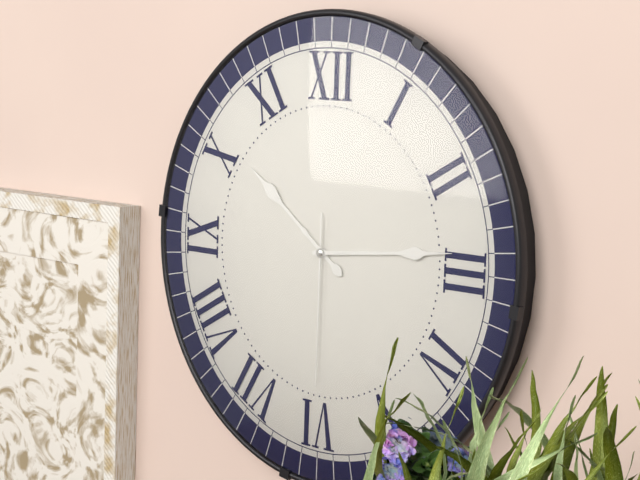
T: 10:14:30
